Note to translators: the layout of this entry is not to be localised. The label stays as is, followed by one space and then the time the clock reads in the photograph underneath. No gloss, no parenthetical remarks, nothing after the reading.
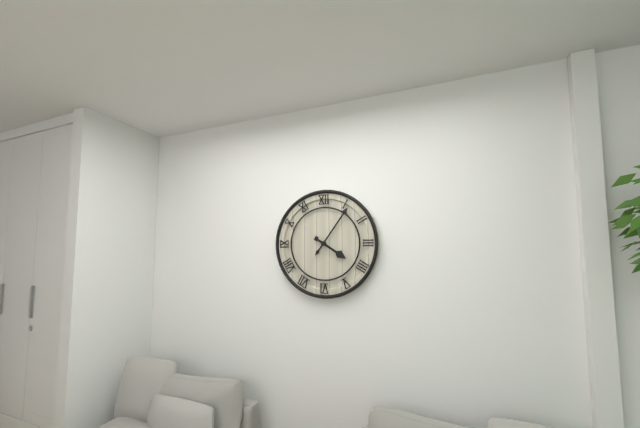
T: 4:06
